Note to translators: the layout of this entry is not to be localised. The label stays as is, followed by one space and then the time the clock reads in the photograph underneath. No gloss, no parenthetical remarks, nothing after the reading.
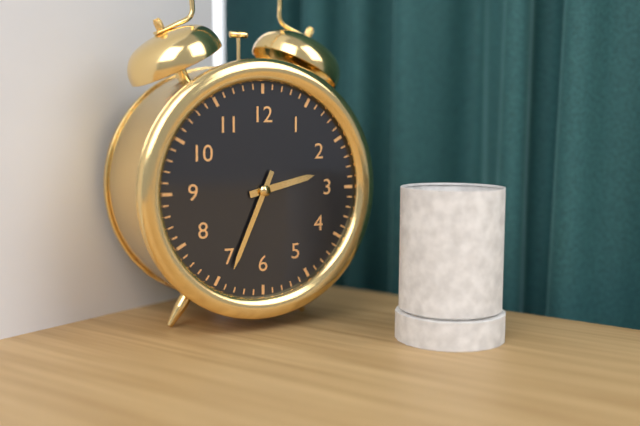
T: 2:34
